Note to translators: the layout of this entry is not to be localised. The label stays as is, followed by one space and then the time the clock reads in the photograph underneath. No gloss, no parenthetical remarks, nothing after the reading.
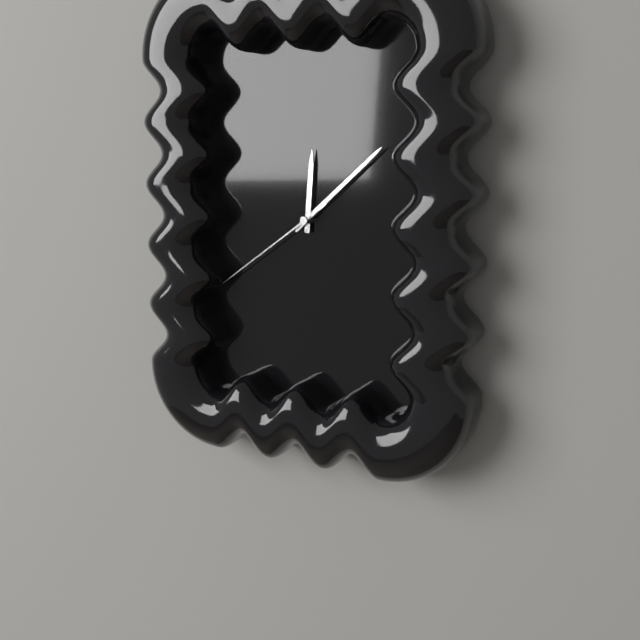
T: 12:08:39
